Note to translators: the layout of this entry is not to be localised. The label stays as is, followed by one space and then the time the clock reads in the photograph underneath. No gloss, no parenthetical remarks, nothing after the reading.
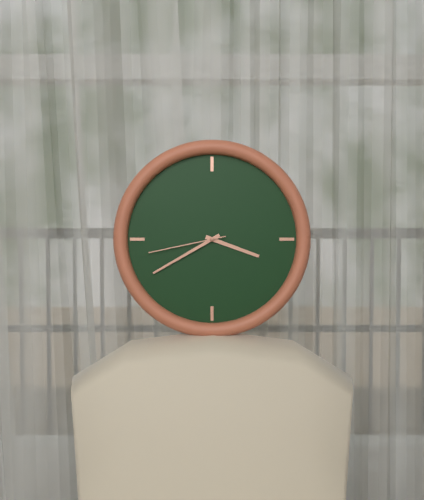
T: 3:40:43
